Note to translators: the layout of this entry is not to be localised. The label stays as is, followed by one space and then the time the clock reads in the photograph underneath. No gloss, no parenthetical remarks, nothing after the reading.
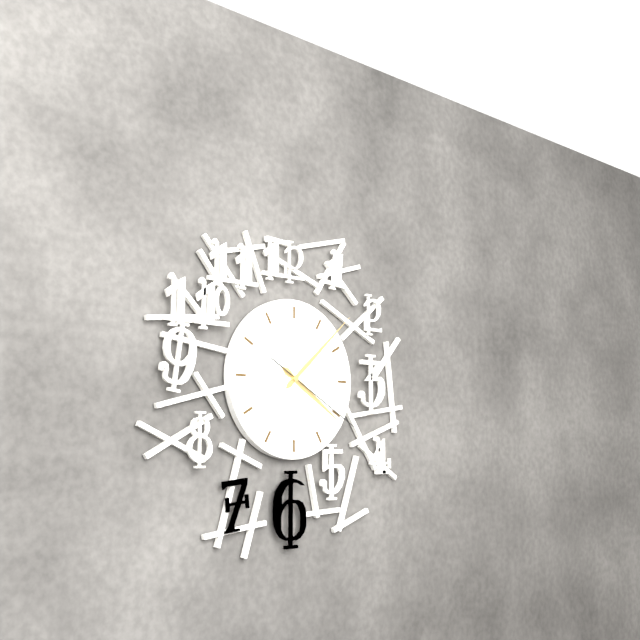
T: 4:08:20
